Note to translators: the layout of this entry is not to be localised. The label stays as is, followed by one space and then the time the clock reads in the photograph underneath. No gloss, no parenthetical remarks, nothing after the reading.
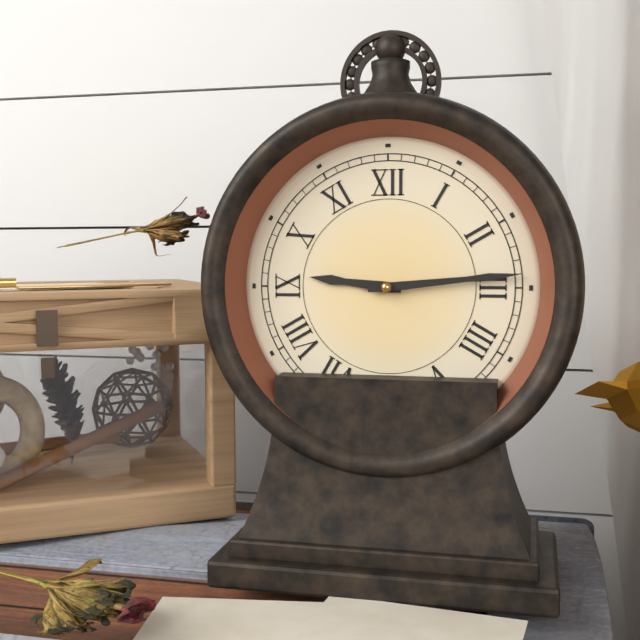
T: 9:14
